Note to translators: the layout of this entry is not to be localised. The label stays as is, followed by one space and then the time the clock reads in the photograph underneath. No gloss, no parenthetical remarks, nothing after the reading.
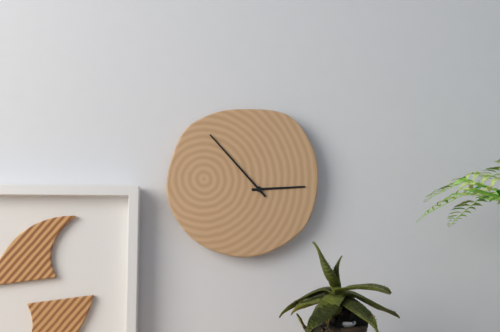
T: 2:53
